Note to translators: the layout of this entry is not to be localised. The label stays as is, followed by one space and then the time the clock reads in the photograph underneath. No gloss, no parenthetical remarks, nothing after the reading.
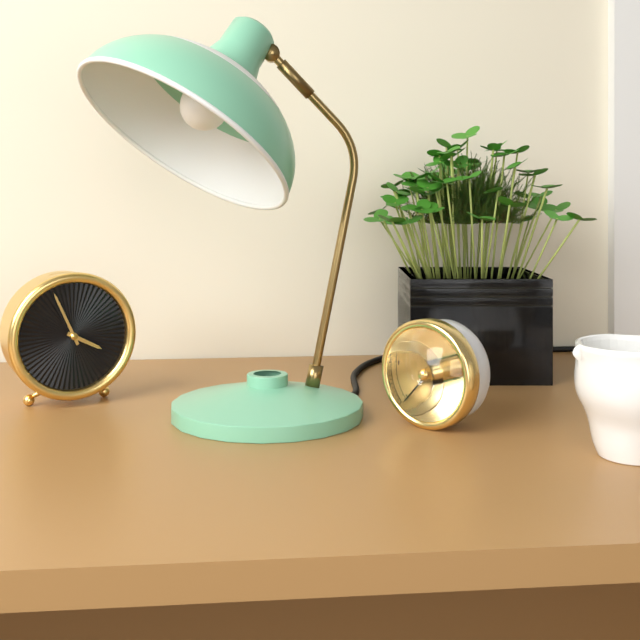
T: 3:56
